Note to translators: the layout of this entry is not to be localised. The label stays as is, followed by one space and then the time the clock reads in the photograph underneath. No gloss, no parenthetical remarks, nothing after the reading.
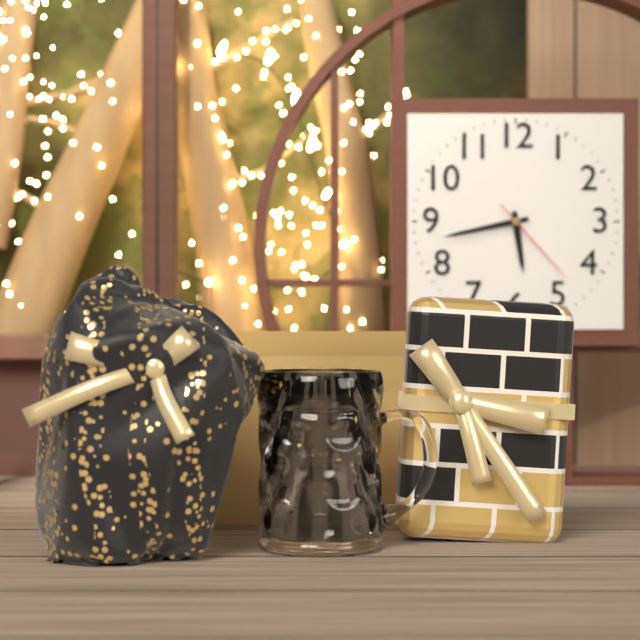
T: 5:43:23
